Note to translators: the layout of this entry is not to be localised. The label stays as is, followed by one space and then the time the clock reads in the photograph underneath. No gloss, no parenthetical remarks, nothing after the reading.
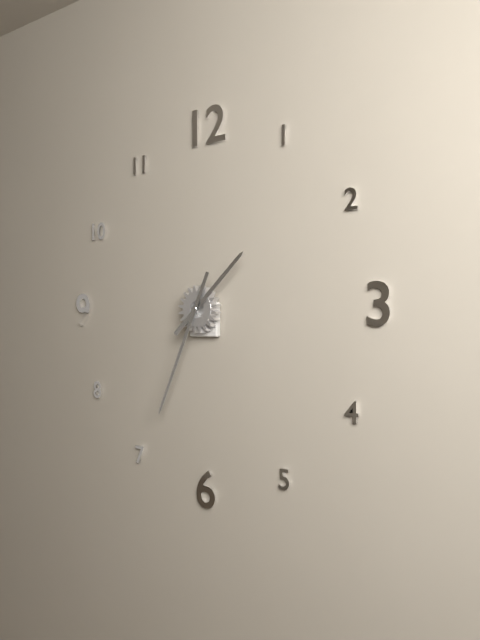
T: 1:34
